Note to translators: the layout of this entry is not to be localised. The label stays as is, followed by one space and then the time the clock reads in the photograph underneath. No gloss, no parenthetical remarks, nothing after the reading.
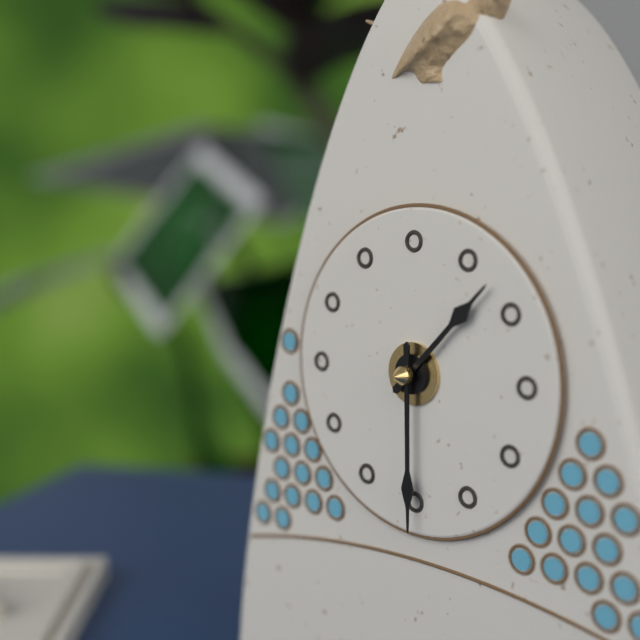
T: 1:30
